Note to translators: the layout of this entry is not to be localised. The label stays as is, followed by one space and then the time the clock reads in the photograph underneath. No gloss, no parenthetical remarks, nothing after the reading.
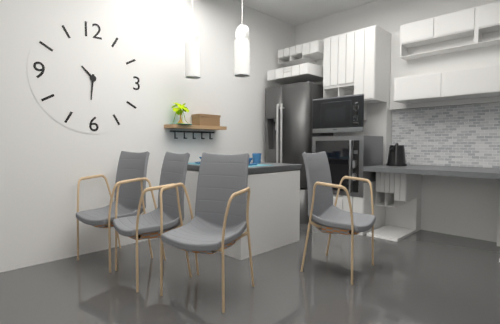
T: 10:31
